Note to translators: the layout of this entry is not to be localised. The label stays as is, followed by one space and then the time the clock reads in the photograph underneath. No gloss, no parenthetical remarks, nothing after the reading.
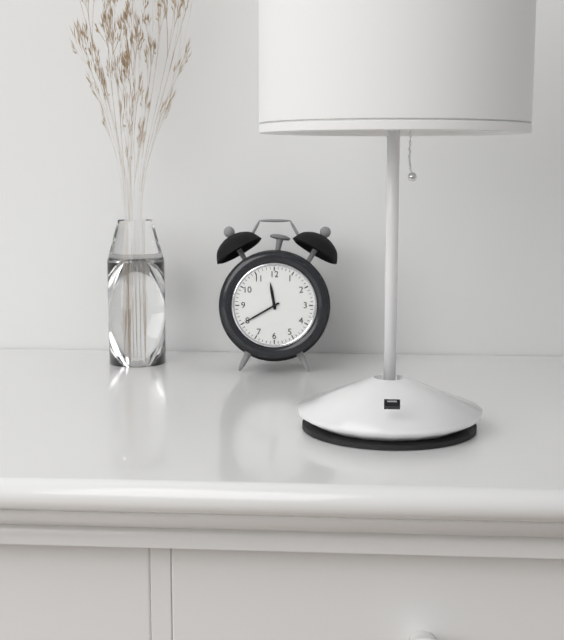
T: 11:40
